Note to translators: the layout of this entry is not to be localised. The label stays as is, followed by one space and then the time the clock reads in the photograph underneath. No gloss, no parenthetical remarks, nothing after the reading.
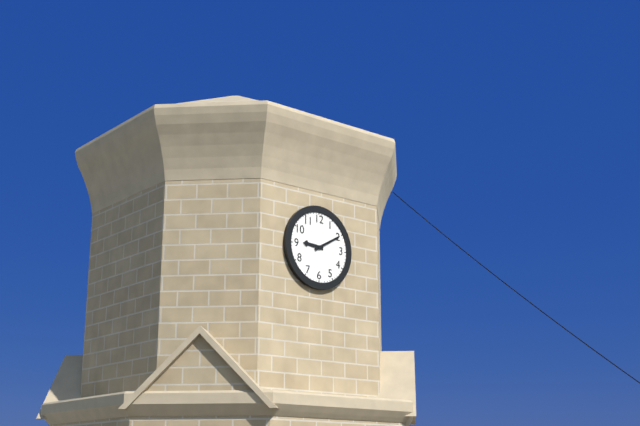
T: 9:10
